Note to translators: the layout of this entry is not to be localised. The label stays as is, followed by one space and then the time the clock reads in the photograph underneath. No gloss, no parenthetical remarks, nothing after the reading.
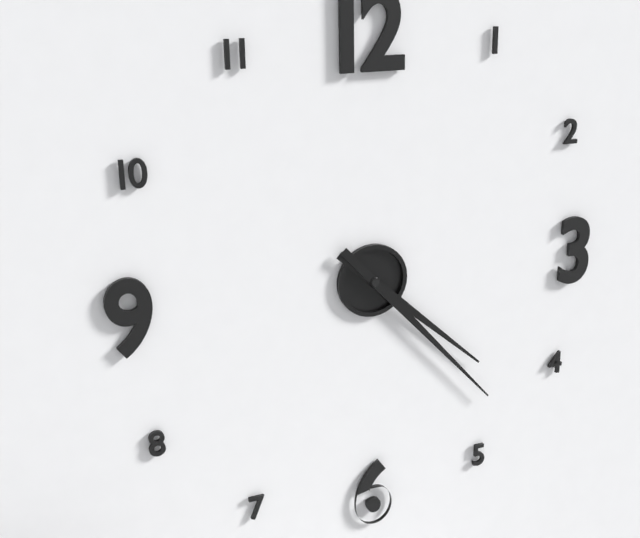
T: 4:23
